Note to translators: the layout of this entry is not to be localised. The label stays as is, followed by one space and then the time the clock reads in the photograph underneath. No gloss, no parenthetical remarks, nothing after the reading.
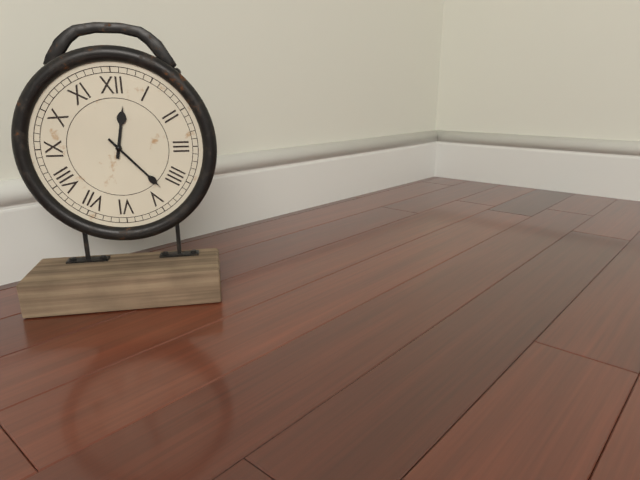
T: 12:23
